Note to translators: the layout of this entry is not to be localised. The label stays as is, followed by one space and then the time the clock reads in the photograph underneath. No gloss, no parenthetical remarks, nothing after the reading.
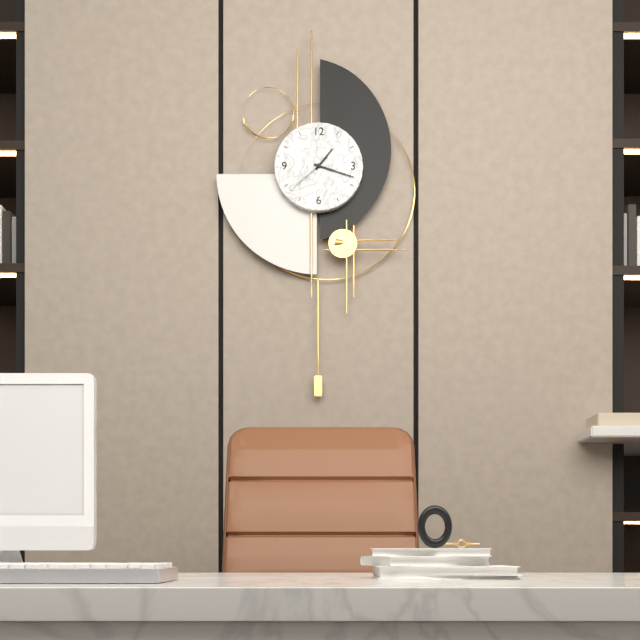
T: 1:18
